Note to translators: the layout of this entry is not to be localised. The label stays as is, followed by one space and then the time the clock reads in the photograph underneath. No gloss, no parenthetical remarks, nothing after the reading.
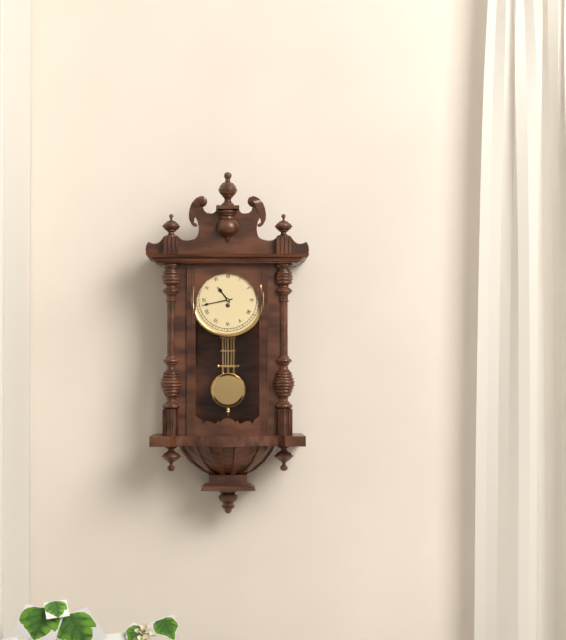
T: 10:43
